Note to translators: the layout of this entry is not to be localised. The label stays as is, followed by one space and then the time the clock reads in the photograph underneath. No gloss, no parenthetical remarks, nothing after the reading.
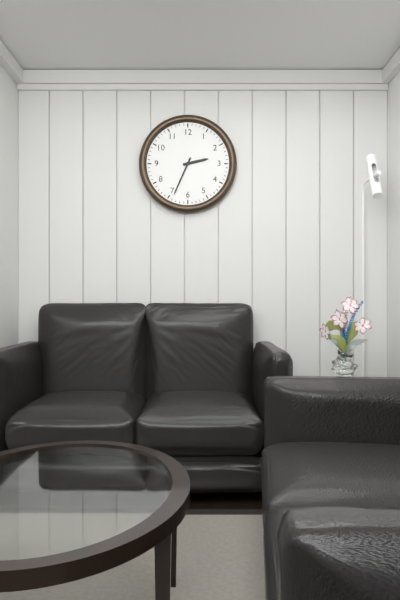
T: 2:34
